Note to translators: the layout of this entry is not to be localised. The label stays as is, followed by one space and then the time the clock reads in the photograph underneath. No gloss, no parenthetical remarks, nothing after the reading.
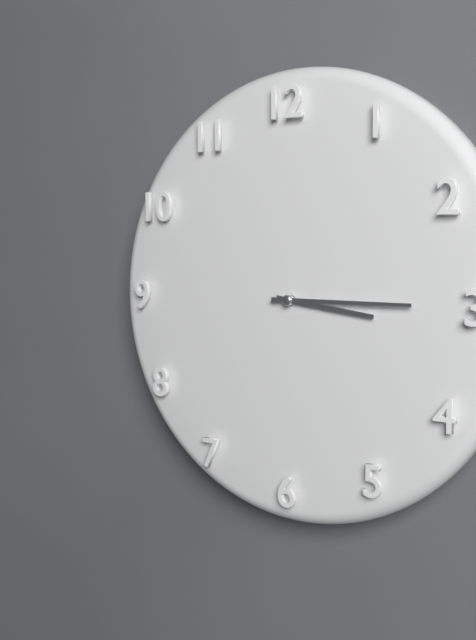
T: 3:15
